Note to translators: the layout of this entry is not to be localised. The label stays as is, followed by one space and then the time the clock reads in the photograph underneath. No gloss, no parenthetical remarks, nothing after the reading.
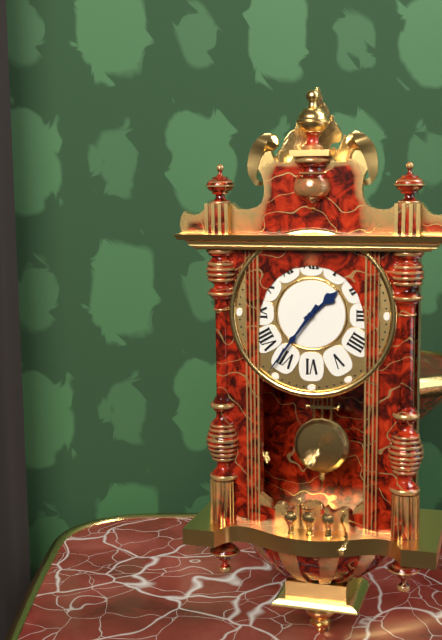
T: 1:36
